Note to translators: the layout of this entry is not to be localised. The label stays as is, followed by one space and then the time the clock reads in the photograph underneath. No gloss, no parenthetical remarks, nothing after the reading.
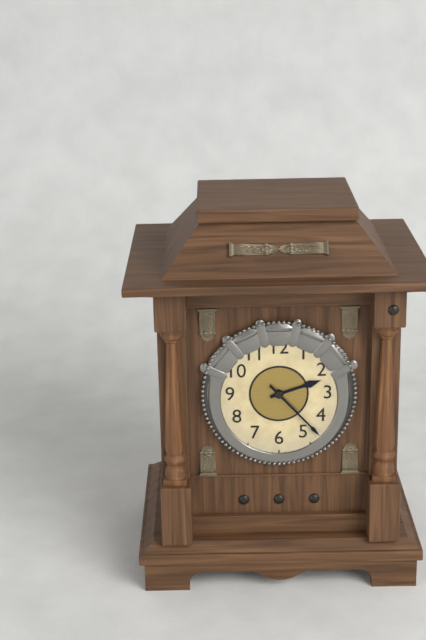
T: 2:23
